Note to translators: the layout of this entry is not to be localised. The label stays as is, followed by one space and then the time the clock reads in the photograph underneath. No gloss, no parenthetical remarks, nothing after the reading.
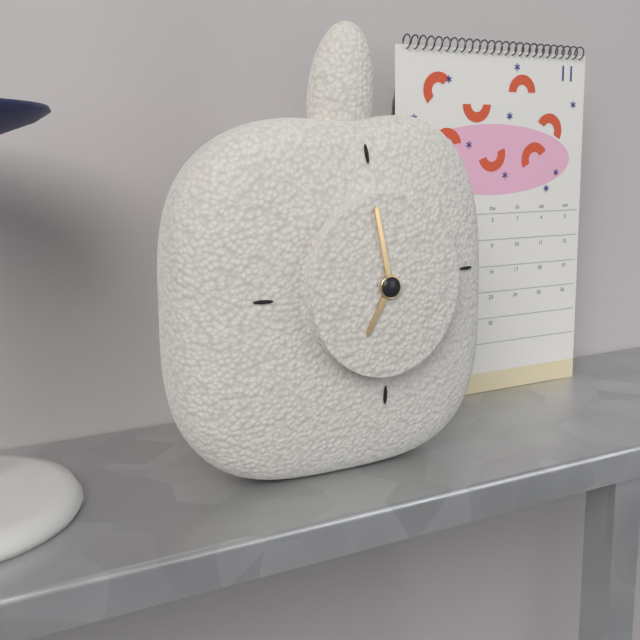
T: 6:58
